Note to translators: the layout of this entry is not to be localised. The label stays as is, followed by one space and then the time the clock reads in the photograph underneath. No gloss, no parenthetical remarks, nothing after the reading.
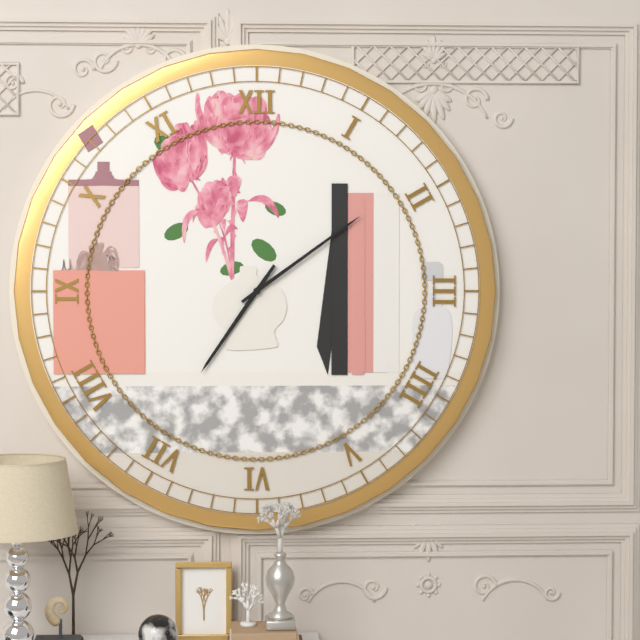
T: 7:09
